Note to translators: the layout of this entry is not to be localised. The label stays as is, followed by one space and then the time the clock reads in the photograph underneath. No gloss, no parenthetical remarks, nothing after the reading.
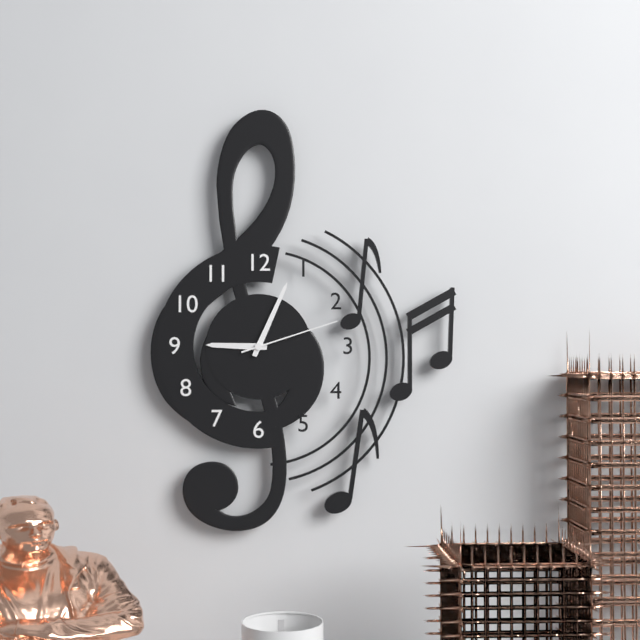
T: 9:04:12
